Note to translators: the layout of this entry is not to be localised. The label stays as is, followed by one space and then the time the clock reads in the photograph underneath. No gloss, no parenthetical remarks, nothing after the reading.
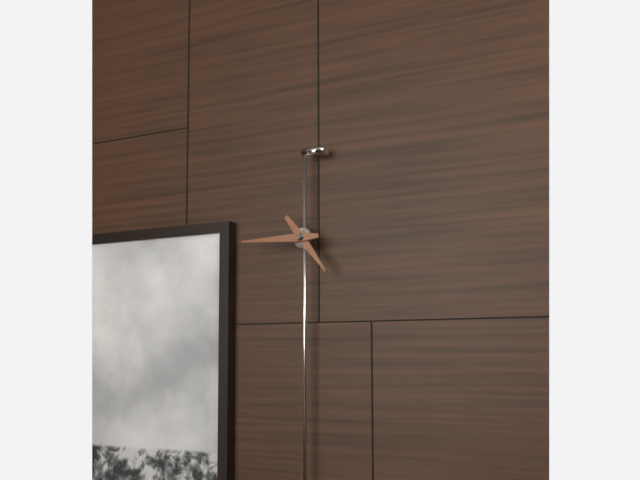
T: 4:45
